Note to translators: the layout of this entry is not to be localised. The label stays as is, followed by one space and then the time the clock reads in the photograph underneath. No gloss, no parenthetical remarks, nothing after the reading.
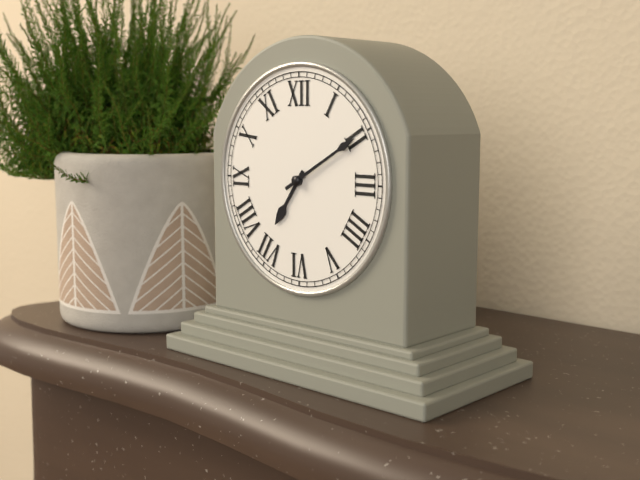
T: 7:10
